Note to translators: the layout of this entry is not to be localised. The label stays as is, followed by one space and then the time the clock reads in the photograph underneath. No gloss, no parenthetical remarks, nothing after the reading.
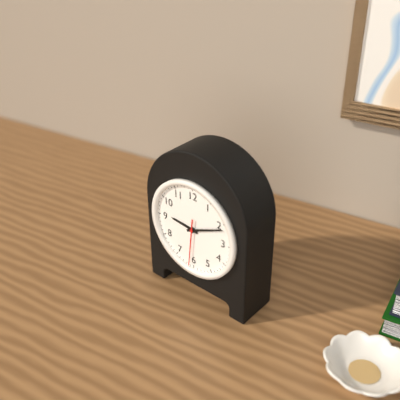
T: 9:11:31
